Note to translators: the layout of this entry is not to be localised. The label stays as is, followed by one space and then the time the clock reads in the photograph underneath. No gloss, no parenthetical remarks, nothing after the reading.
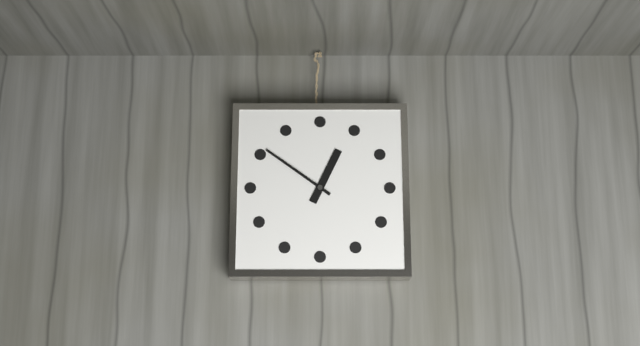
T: 12:51
